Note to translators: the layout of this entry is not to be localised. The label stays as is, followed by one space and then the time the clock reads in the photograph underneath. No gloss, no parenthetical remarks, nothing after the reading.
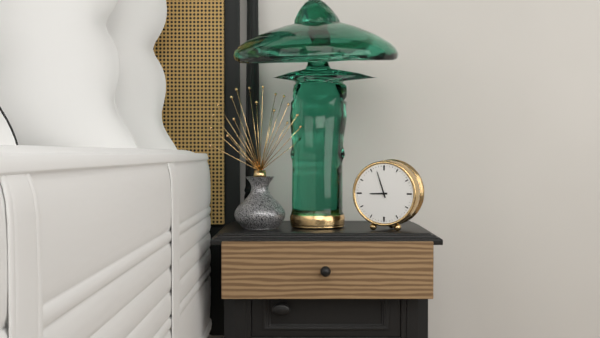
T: 8:57
